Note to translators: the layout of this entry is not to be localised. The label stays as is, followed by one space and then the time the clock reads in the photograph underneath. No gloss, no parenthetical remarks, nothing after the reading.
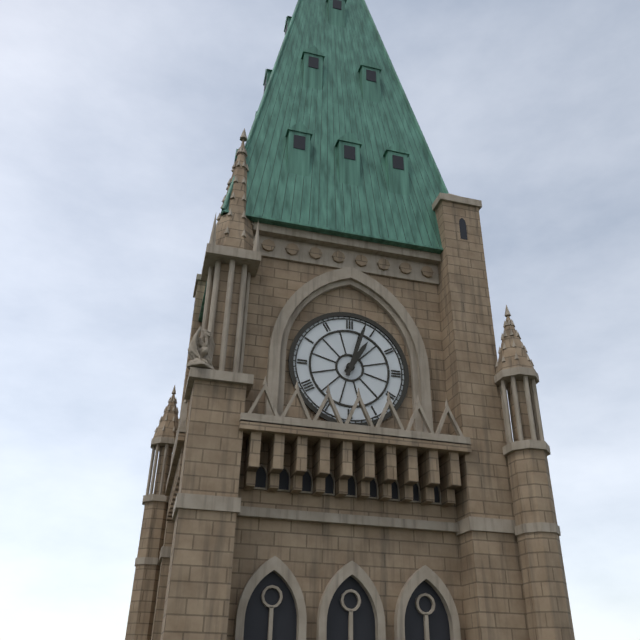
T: 1:03
